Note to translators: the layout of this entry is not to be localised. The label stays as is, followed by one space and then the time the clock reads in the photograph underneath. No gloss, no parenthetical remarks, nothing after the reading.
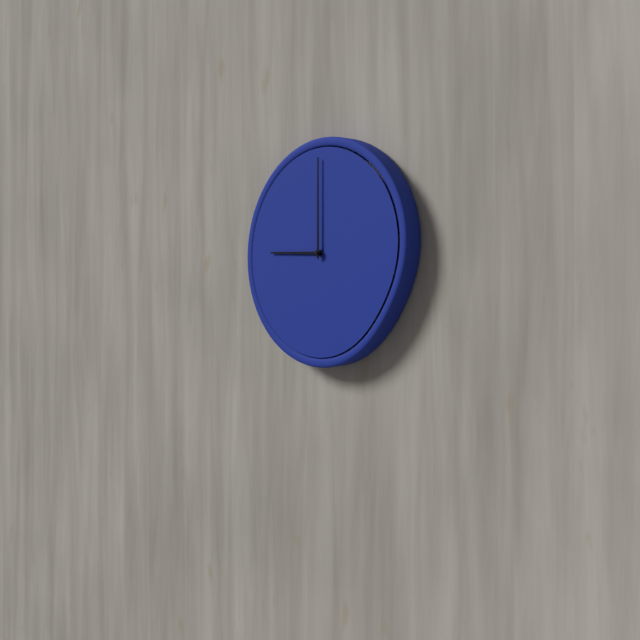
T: 9:00
